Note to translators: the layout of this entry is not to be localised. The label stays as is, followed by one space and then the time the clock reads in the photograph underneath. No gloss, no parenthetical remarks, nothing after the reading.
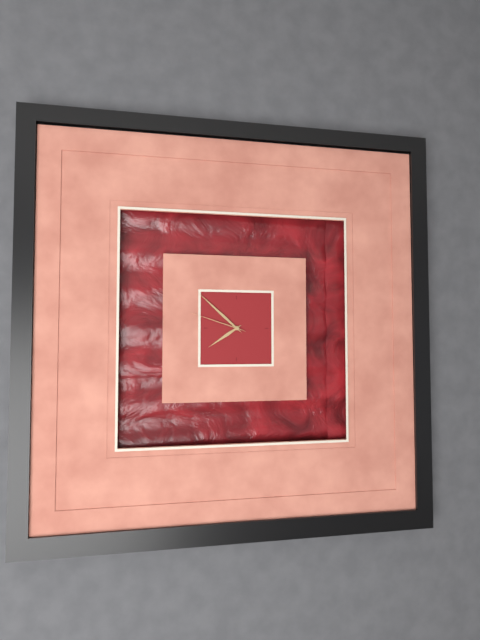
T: 7:52:48
